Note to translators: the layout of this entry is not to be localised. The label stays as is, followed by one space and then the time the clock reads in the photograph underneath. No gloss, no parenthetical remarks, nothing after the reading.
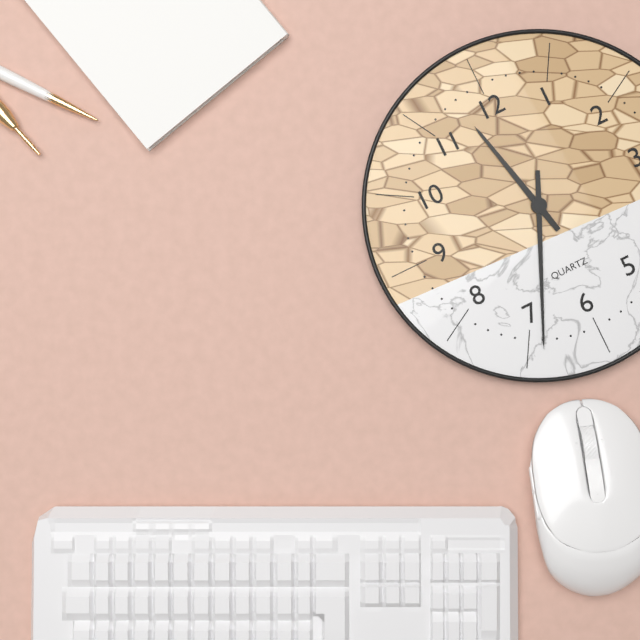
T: 11:34
